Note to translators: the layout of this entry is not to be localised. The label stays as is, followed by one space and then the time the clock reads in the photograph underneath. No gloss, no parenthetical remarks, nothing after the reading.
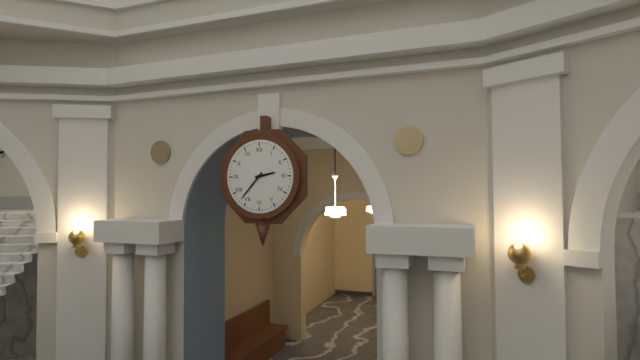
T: 2:37
